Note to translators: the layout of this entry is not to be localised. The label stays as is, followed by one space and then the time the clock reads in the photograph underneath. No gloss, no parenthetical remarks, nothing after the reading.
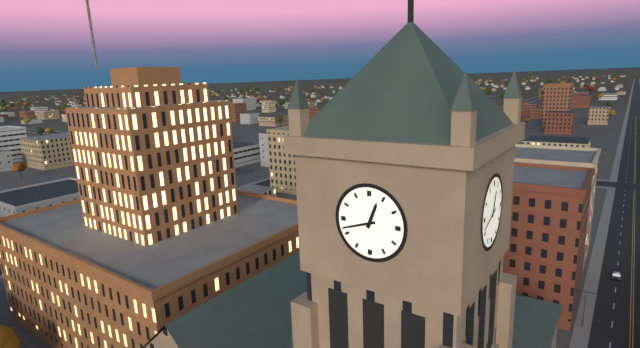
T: 12:42
